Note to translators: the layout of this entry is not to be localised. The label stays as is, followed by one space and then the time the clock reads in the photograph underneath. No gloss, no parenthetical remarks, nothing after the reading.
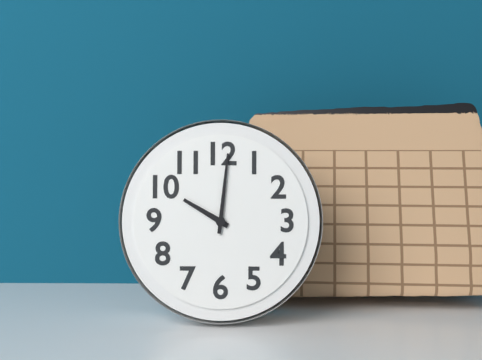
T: 10:01
